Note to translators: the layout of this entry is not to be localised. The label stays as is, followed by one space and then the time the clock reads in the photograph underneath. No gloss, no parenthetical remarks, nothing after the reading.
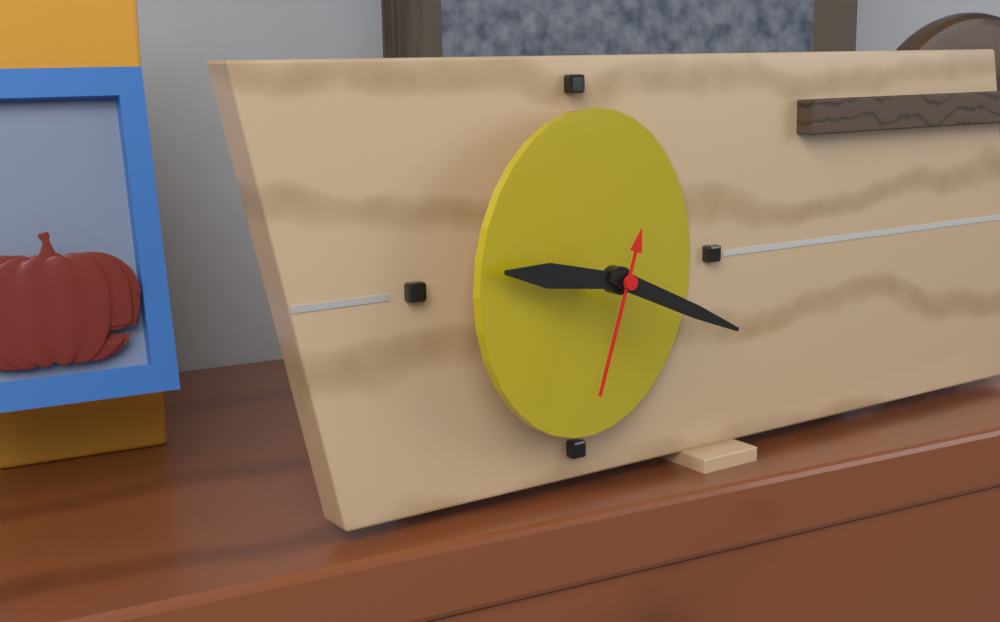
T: 9:19:33
